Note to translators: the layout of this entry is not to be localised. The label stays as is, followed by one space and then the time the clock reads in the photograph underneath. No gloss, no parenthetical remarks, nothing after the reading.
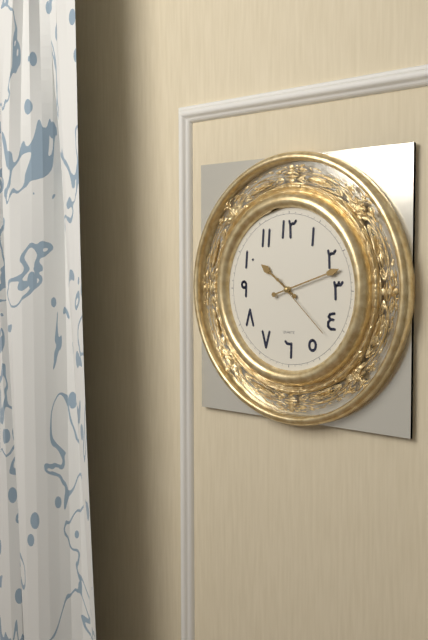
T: 10:12:22
